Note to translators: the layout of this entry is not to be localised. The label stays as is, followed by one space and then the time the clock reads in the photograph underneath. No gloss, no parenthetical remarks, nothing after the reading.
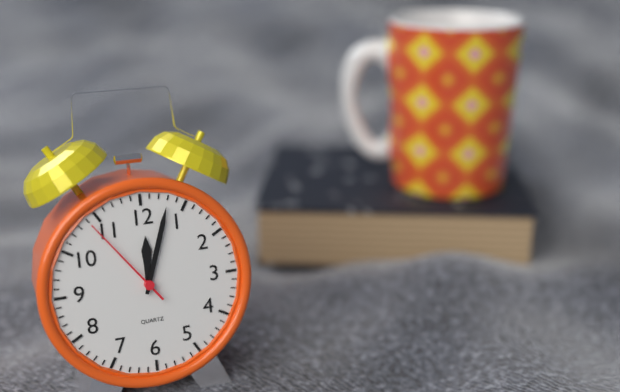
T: 12:03:54
